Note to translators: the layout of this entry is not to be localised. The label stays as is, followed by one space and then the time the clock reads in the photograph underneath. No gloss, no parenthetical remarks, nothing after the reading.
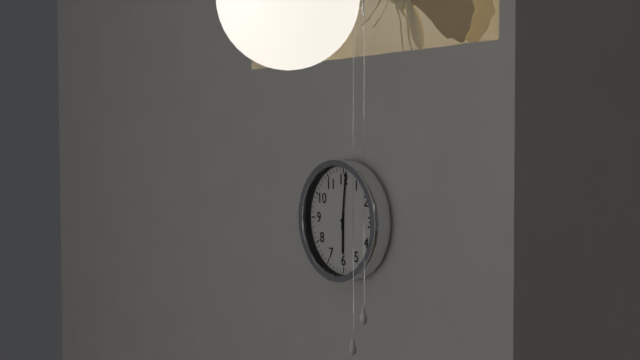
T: 6:01
